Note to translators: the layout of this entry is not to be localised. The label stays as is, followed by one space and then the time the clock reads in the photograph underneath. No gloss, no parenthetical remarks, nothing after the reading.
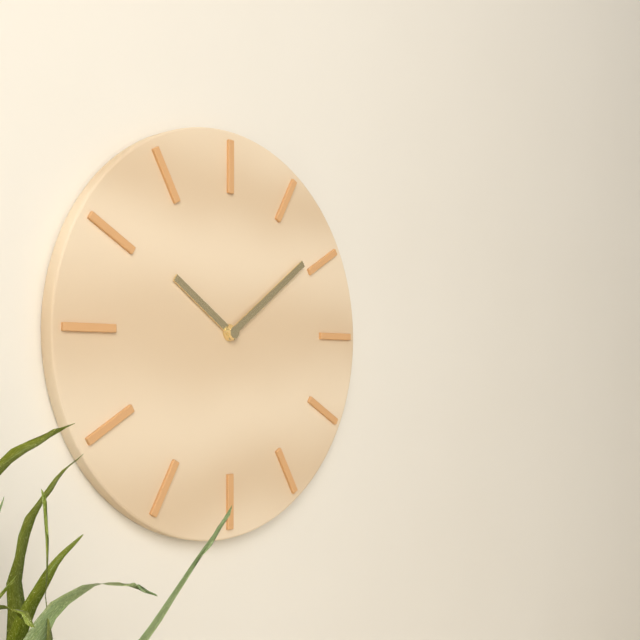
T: 10:09
